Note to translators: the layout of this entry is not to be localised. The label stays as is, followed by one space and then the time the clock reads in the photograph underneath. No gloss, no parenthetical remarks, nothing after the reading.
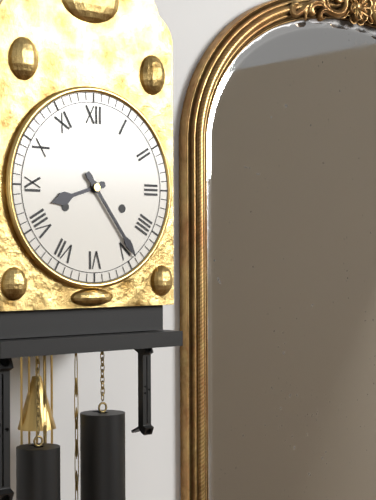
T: 8:24
